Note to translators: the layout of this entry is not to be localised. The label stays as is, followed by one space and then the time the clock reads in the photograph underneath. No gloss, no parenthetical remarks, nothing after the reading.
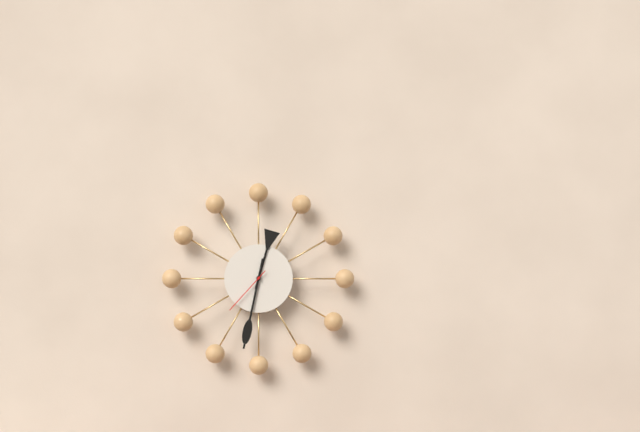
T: 12:32:37
